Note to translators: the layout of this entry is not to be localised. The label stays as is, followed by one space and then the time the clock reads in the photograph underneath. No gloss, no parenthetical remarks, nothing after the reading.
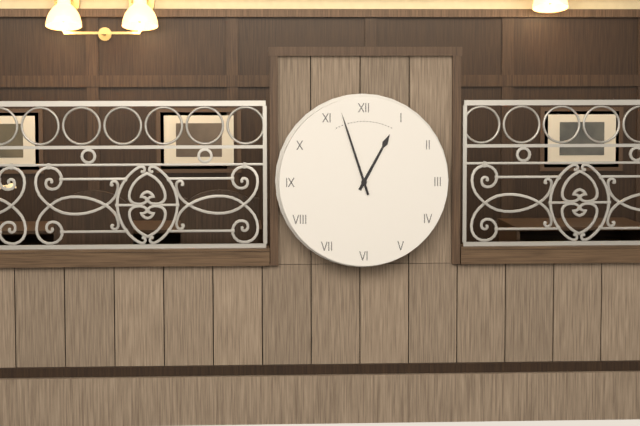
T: 12:57
